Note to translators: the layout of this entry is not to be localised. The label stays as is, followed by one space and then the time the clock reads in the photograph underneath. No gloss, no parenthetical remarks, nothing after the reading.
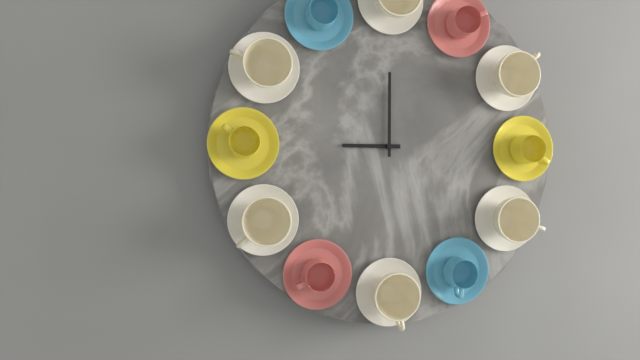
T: 9:00
